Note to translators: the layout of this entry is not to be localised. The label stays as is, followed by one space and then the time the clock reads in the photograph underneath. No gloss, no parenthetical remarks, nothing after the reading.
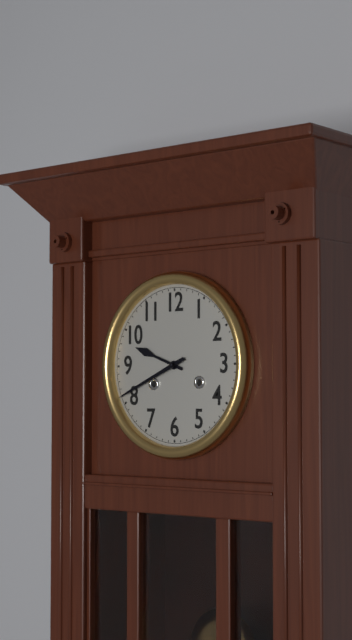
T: 9:41
